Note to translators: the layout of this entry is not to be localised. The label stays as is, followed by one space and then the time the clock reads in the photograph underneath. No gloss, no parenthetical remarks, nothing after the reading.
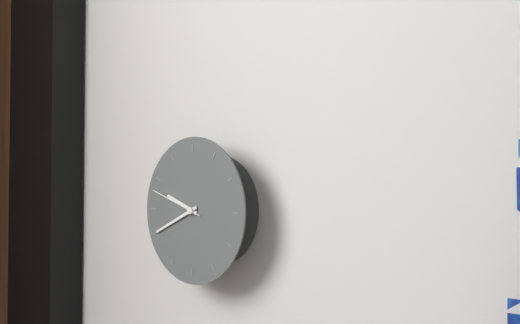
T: 9:41:48
